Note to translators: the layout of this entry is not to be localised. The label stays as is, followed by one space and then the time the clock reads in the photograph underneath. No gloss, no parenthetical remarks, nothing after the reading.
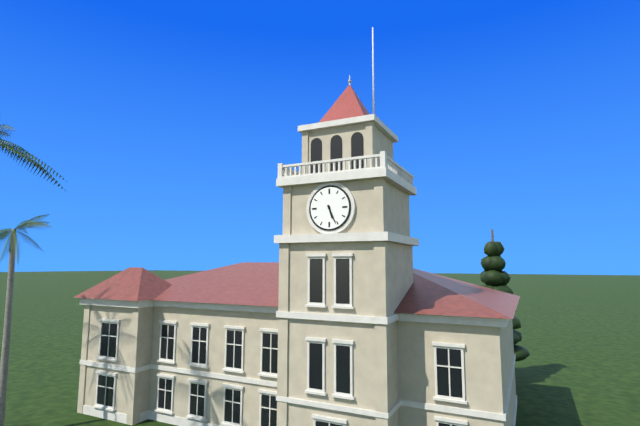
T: 5:26
